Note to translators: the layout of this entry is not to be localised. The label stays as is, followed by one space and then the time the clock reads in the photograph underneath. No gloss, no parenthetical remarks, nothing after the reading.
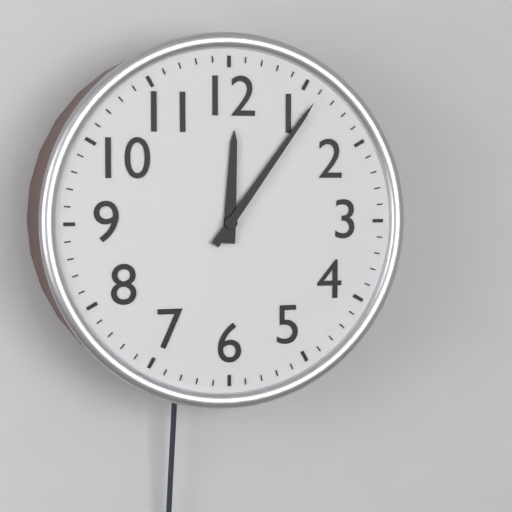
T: 12:06
